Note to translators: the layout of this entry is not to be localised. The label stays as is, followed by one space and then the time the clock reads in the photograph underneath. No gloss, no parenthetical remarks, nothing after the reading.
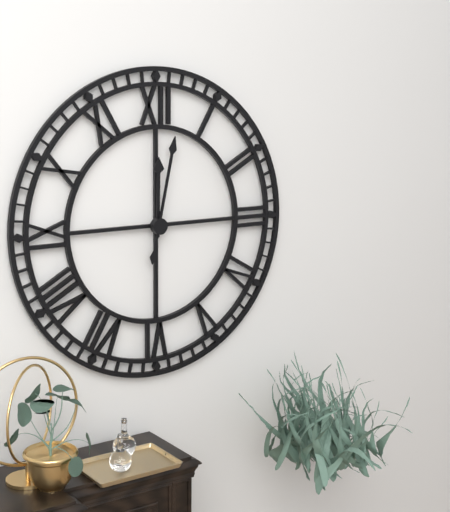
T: 12:02
